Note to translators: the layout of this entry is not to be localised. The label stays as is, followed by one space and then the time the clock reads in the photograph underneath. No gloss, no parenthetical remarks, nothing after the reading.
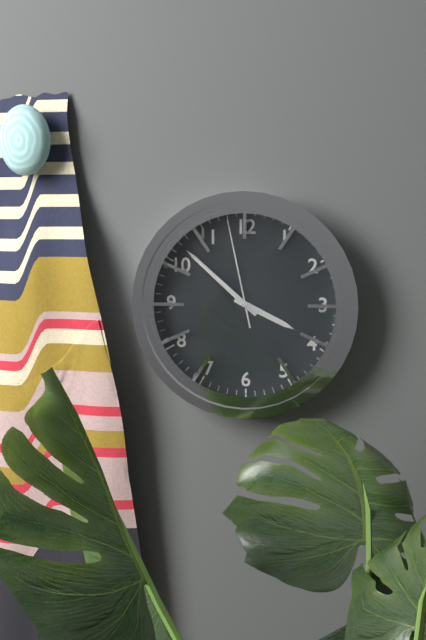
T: 3:52:58
